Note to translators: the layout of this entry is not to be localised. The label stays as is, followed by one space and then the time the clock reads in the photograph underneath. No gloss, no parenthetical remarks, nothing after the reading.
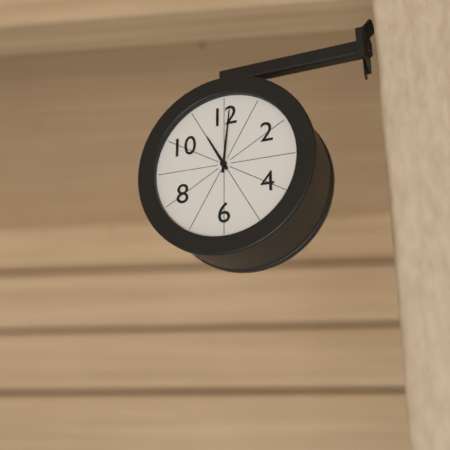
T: 11:01
